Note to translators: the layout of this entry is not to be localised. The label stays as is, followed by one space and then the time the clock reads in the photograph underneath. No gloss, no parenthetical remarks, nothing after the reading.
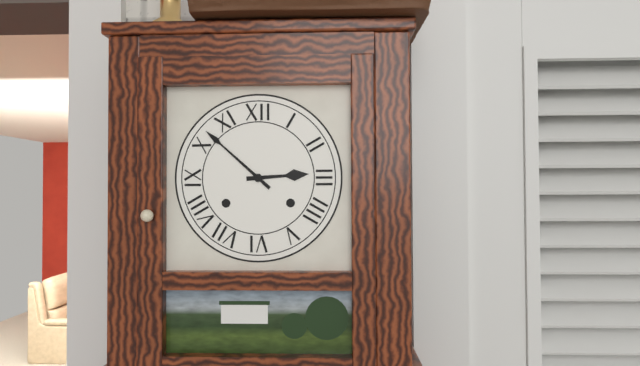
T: 2:52
